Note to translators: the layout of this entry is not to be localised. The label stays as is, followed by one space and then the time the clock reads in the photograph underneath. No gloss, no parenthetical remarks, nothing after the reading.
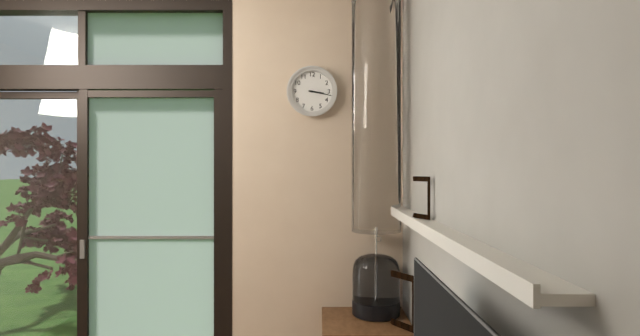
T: 3:17
